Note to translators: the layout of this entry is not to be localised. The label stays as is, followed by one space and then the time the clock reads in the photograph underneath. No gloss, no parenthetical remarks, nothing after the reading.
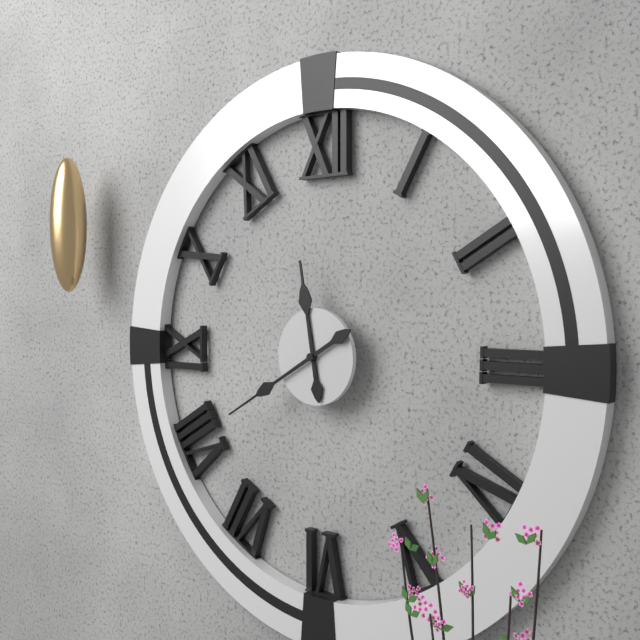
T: 11:40
